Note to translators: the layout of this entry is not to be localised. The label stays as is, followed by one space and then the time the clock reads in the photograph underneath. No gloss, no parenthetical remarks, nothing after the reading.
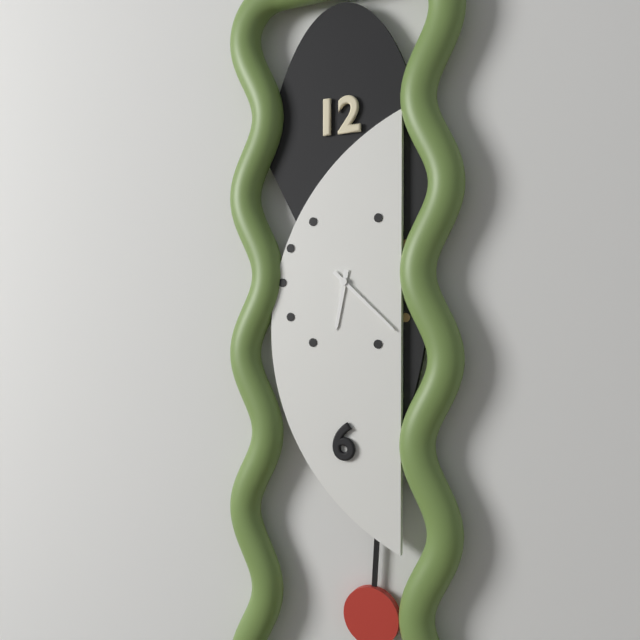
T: 6:22
